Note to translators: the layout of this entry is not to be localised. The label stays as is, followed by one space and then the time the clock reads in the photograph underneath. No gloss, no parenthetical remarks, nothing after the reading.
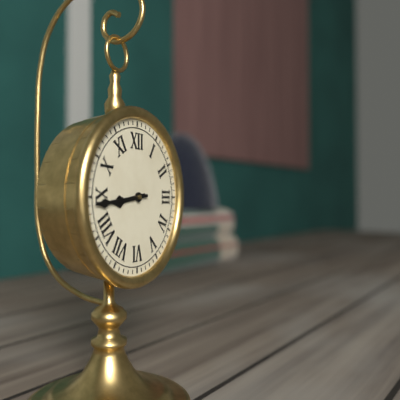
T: 8:44
